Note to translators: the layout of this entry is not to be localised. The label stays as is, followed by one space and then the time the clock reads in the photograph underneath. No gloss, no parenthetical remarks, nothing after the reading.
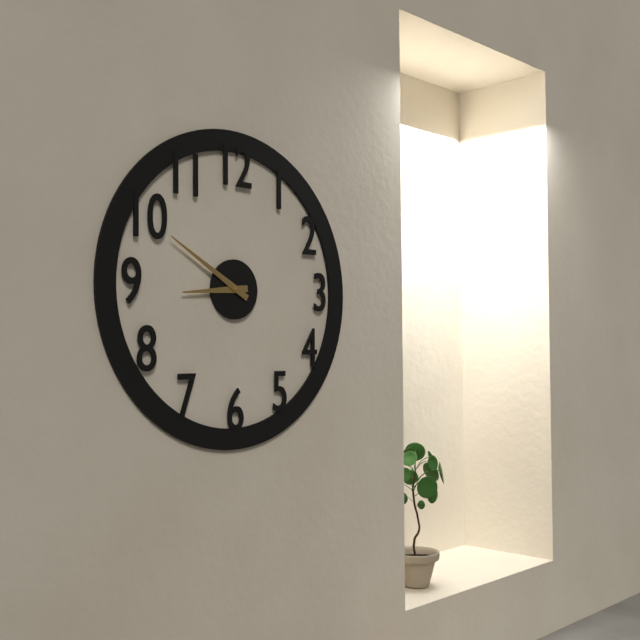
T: 8:50
